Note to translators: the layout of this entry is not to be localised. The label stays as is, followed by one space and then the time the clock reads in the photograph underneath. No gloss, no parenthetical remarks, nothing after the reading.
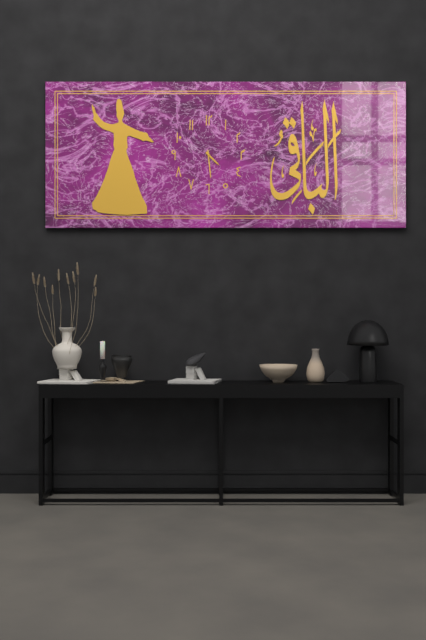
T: 4:29
